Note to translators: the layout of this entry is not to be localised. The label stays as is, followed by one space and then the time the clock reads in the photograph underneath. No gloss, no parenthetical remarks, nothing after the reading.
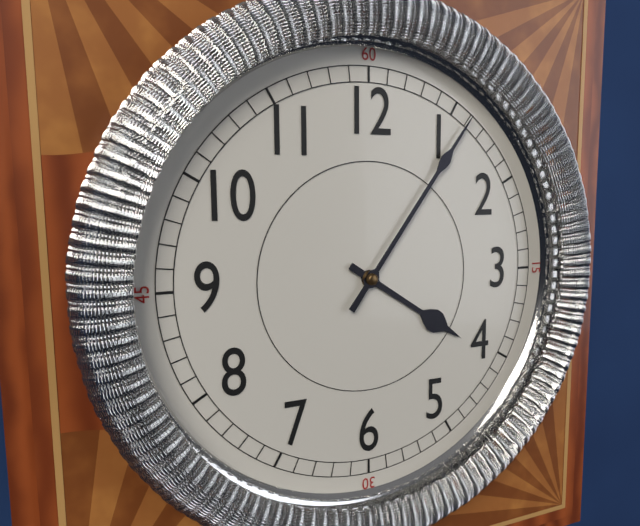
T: 4:06
